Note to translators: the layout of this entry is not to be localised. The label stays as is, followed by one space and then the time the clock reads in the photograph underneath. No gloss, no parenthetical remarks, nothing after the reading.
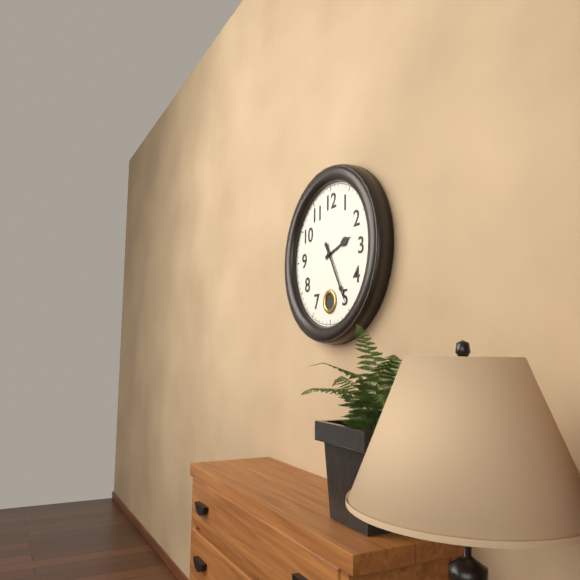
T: 2:25
